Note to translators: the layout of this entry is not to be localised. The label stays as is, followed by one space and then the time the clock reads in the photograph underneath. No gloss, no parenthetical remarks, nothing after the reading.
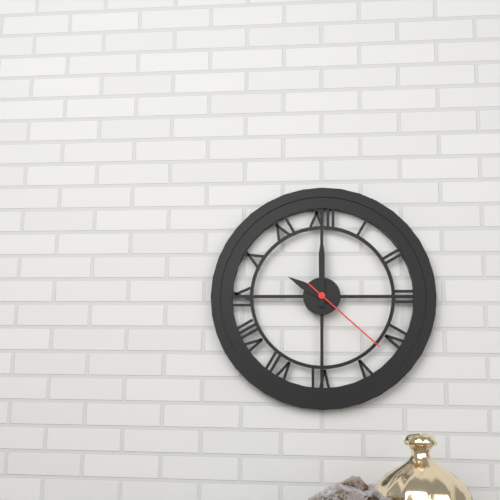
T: 10:00:22
